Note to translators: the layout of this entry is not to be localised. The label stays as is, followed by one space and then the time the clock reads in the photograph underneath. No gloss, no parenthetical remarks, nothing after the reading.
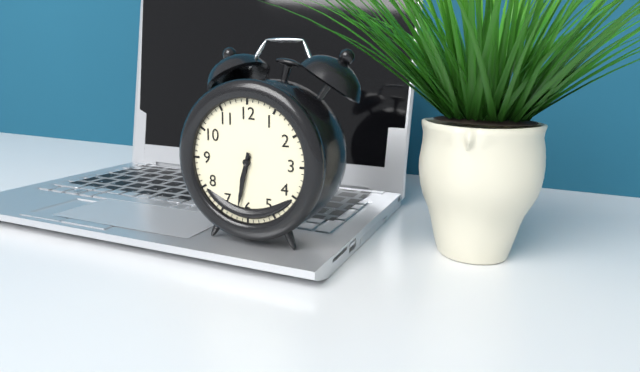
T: 6:32
